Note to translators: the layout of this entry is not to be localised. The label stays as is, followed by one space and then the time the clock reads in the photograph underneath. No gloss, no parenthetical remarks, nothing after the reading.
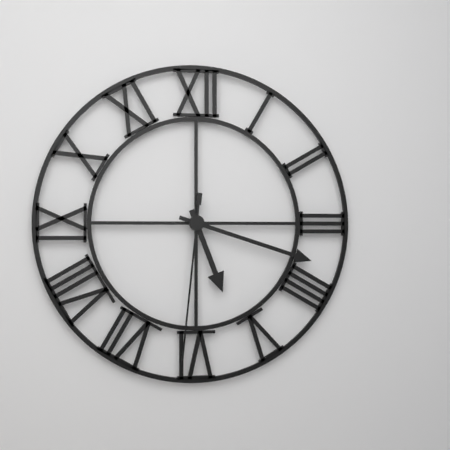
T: 5:18:31
